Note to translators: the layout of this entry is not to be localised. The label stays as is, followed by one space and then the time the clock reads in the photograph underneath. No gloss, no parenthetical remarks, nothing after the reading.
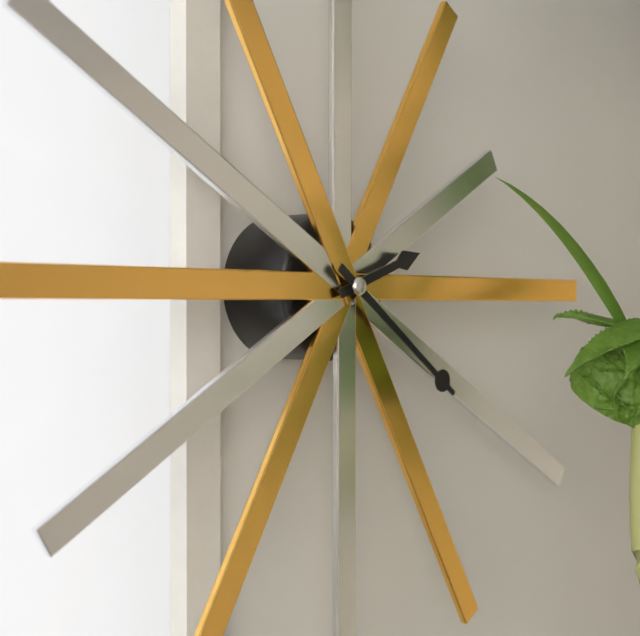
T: 2:21
